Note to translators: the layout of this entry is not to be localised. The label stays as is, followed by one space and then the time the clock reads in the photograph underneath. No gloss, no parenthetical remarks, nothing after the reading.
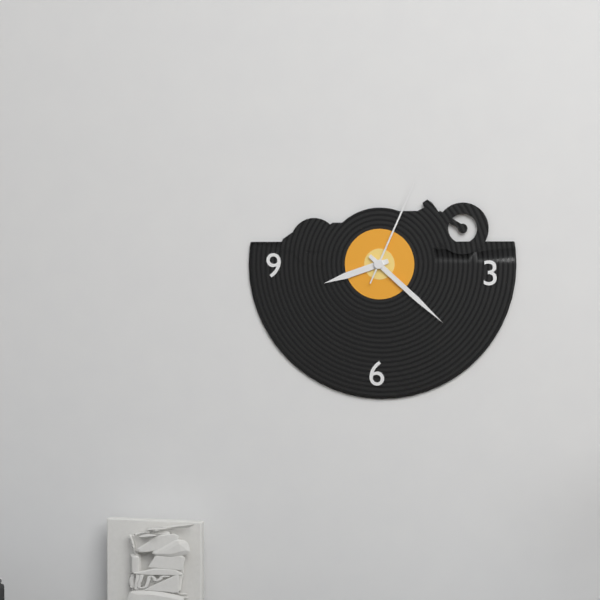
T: 8:22:04
